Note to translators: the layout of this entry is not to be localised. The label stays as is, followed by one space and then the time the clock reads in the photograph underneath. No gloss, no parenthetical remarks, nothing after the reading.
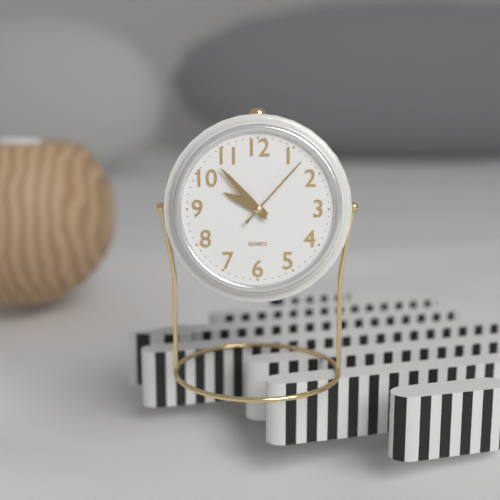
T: 9:53:07
